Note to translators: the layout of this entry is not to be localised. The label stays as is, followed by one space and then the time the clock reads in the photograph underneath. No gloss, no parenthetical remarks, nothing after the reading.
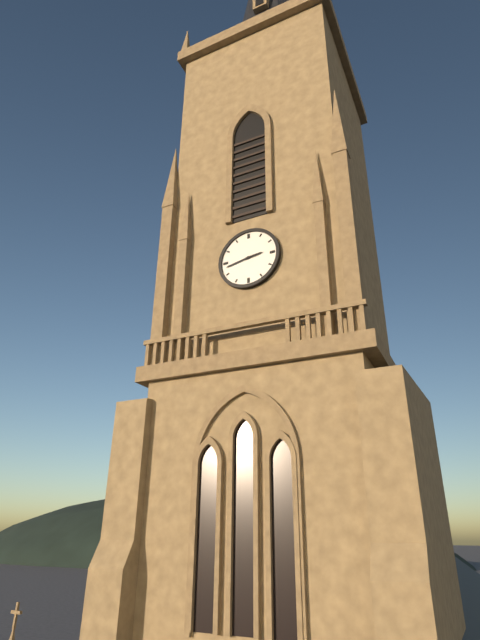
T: 2:43
